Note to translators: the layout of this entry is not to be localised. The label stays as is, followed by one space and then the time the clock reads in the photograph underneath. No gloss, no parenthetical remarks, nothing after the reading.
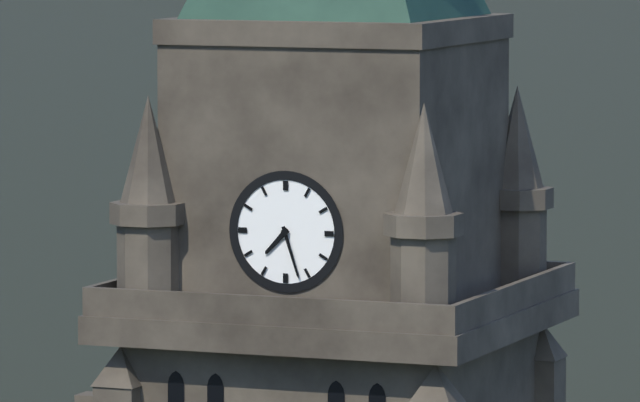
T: 7:27
